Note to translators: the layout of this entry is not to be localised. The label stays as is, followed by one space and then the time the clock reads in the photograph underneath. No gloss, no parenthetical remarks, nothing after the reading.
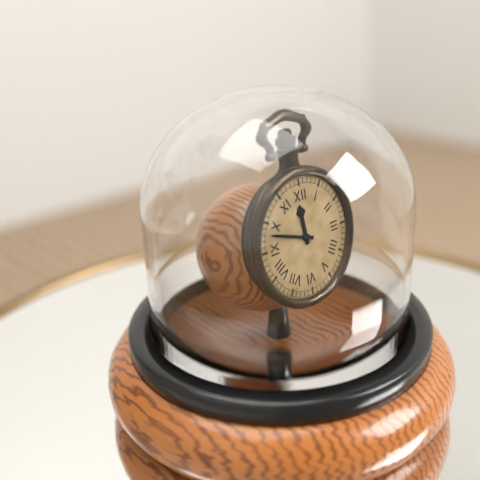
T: 11:48
